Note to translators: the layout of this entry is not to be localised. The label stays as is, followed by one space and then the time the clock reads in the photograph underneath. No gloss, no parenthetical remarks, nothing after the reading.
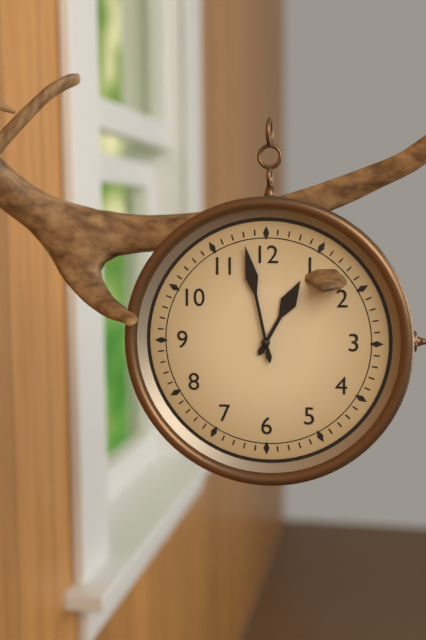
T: 12:58
